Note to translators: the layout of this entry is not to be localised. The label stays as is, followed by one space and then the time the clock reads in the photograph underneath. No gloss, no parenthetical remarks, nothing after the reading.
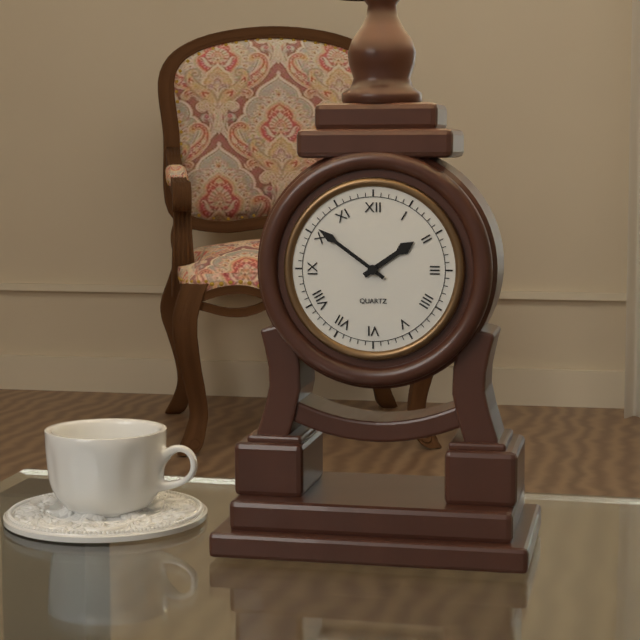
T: 1:51
